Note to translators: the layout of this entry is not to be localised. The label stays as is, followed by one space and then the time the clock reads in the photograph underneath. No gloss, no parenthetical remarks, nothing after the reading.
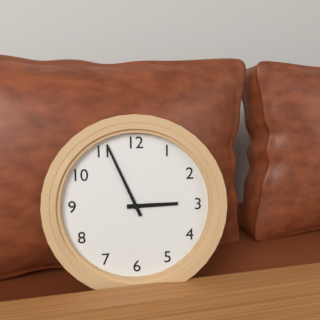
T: 2:56
